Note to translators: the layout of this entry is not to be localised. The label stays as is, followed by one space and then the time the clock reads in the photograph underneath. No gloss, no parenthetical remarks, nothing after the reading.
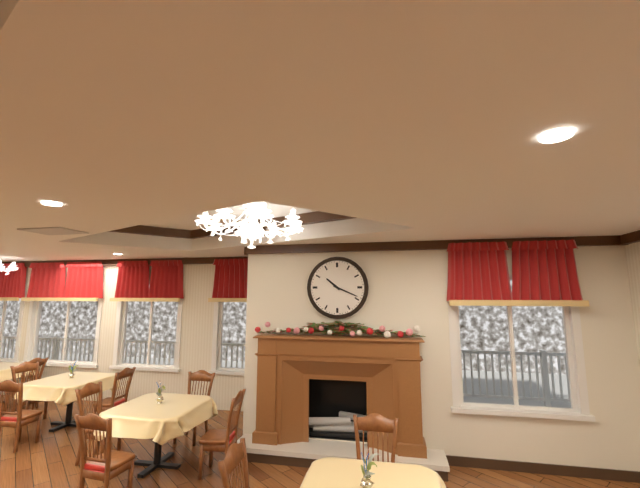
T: 10:19
